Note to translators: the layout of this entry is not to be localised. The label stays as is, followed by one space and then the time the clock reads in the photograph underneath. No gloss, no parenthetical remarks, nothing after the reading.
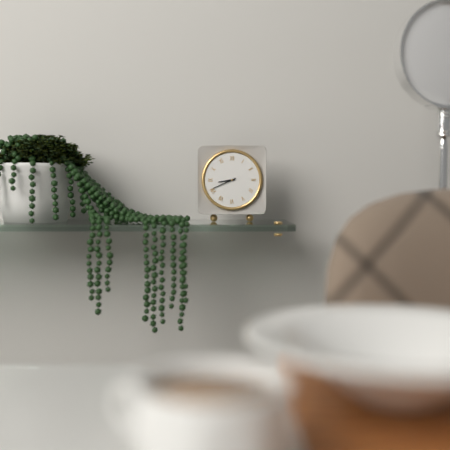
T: 8:41
